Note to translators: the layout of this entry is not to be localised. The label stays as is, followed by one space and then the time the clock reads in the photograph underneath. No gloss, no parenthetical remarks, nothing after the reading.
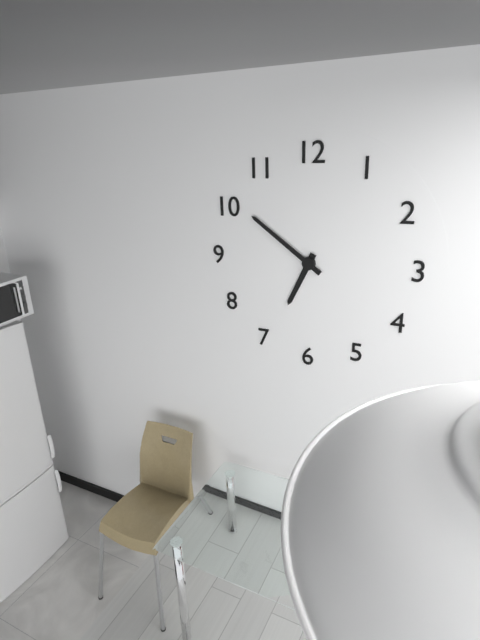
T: 6:51
